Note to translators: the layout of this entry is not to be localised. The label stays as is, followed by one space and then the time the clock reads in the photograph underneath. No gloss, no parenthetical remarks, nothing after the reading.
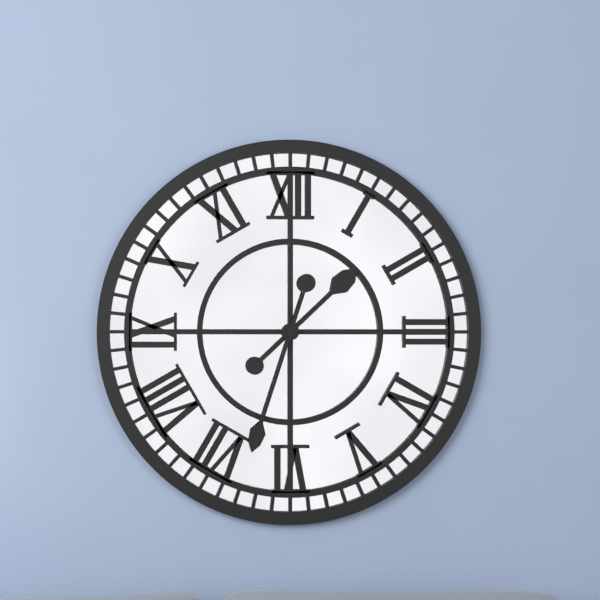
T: 1:33
